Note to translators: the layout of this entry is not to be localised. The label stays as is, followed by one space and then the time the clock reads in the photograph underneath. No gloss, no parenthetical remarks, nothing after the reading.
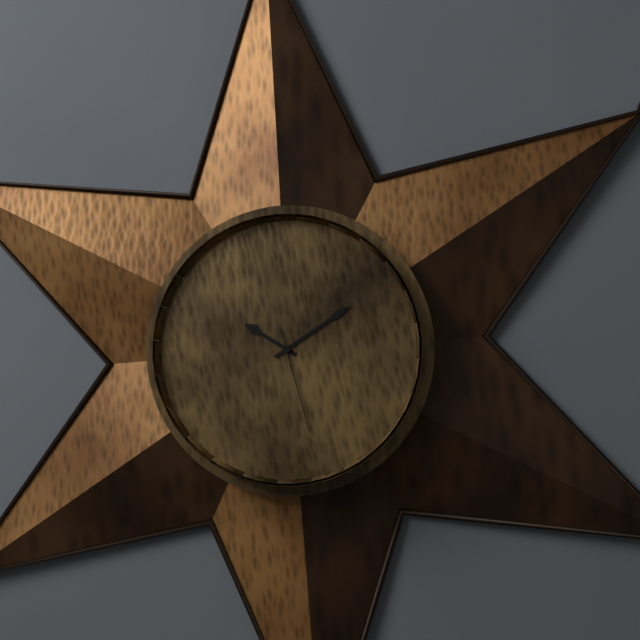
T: 10:10:28
